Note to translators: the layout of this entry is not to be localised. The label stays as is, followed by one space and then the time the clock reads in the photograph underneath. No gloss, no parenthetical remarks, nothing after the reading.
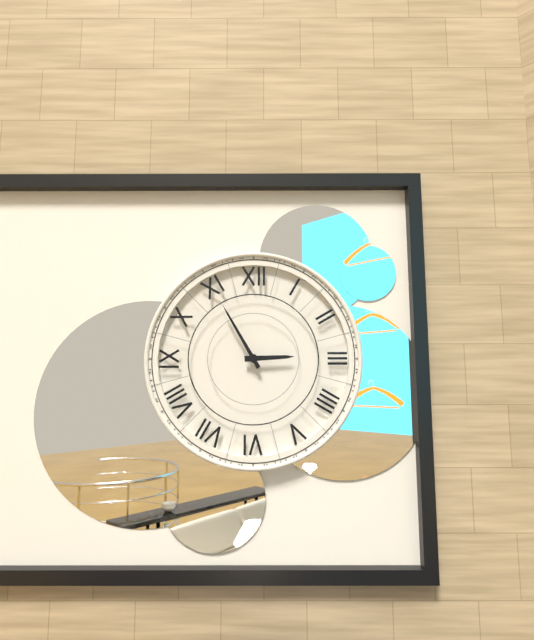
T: 2:55
